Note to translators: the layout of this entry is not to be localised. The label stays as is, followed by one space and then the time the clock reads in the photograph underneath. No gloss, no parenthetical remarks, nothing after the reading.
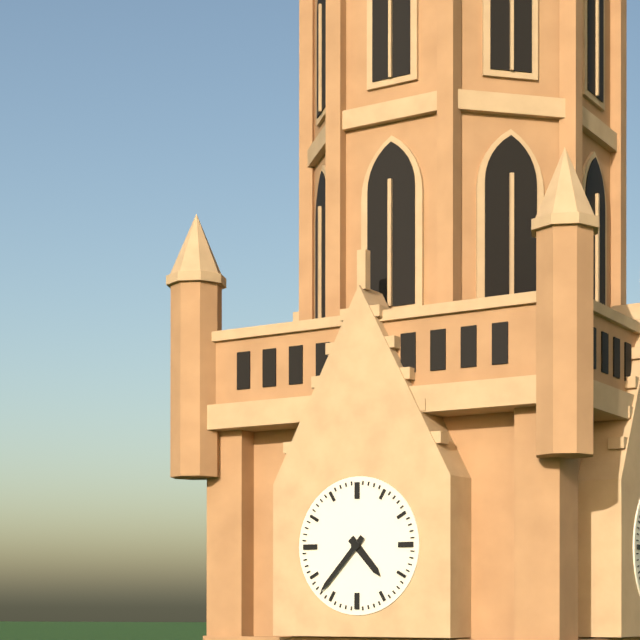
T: 4:37
